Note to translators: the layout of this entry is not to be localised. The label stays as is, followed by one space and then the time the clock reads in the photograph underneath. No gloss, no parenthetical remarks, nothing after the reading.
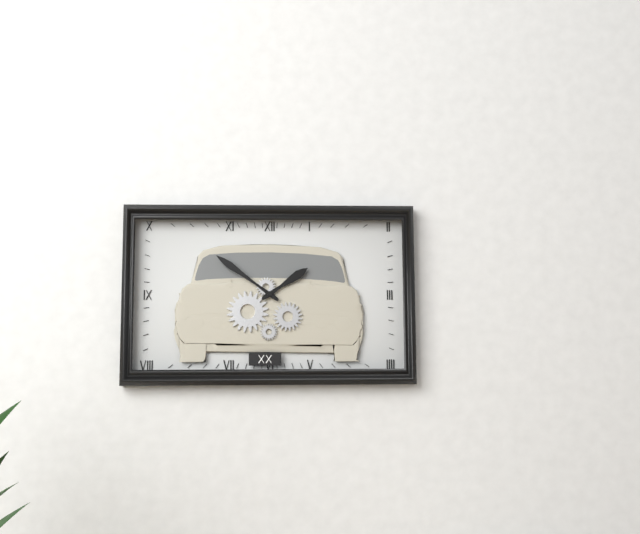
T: 1:51
